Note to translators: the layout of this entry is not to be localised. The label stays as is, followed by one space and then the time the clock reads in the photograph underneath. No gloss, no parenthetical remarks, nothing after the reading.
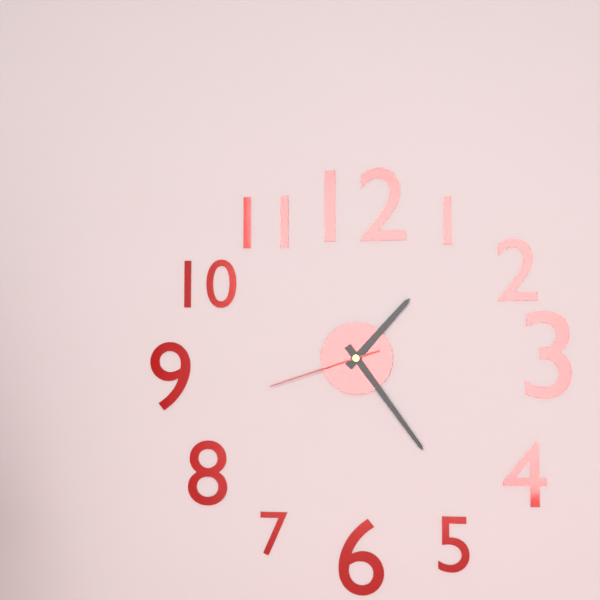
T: 1:24:42
